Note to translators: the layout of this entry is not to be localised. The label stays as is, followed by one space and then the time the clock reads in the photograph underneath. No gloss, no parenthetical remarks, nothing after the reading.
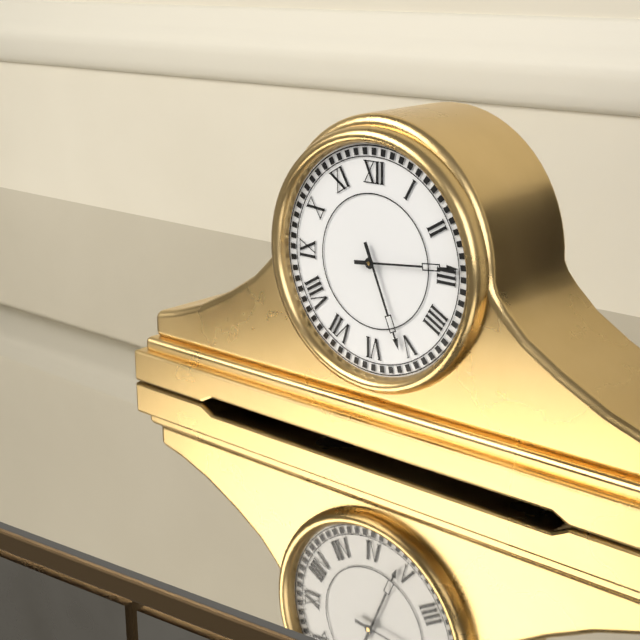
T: 5:14
